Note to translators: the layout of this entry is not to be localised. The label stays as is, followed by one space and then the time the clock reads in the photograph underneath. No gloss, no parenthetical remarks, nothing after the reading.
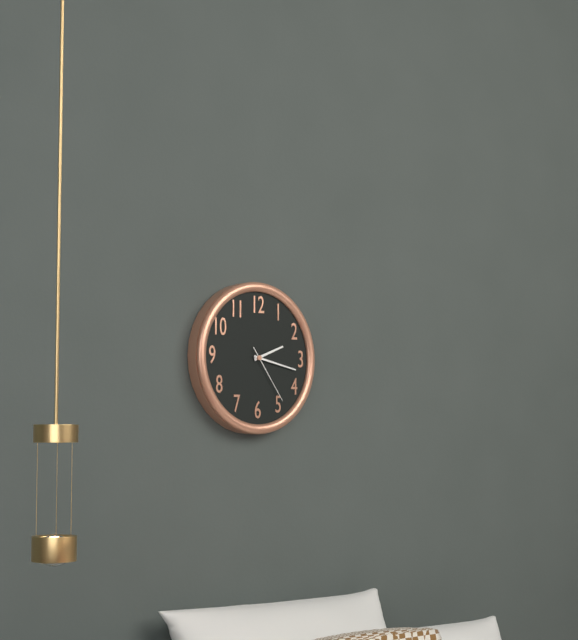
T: 2:17:24
